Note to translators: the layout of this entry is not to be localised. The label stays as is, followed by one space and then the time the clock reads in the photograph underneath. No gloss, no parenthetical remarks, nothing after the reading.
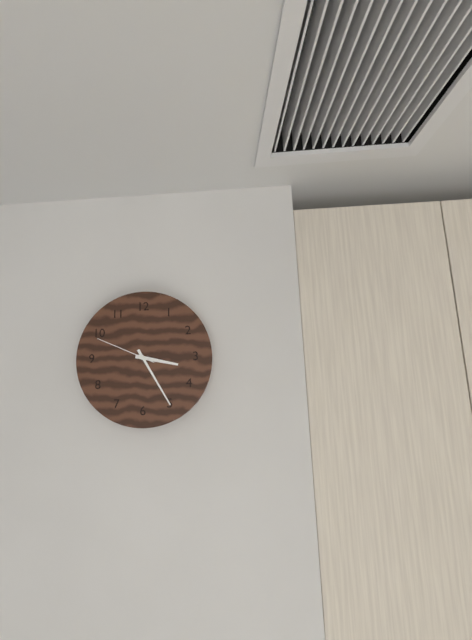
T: 3:25:49
